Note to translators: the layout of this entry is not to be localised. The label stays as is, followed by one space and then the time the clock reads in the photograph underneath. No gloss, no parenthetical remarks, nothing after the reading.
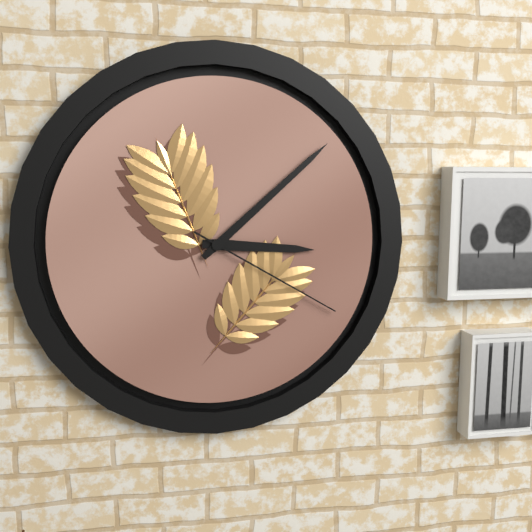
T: 3:08:20
